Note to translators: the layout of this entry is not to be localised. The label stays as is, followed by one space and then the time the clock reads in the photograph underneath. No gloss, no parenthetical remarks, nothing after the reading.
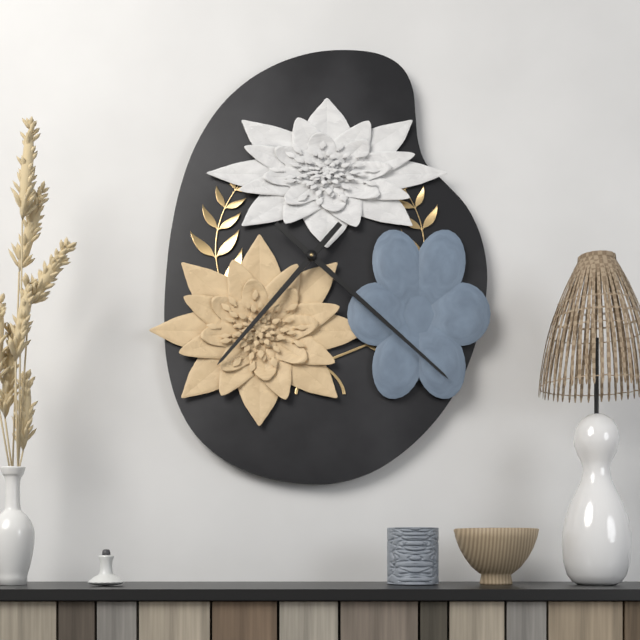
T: 7:22
